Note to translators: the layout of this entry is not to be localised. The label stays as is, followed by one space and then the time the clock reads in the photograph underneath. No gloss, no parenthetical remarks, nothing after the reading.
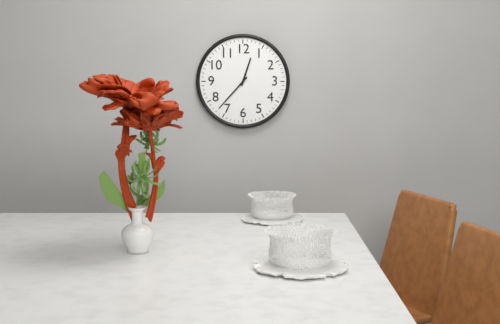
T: 12:37
